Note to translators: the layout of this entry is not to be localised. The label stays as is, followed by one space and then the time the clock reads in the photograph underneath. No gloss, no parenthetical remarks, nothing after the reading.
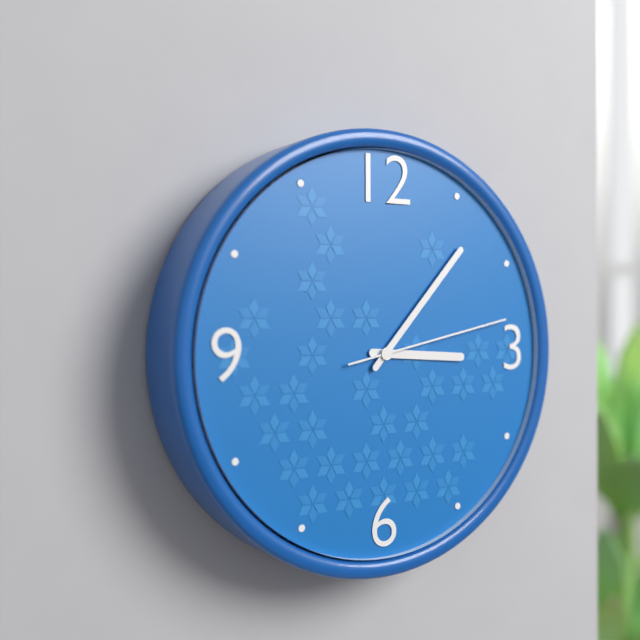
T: 3:07:13
